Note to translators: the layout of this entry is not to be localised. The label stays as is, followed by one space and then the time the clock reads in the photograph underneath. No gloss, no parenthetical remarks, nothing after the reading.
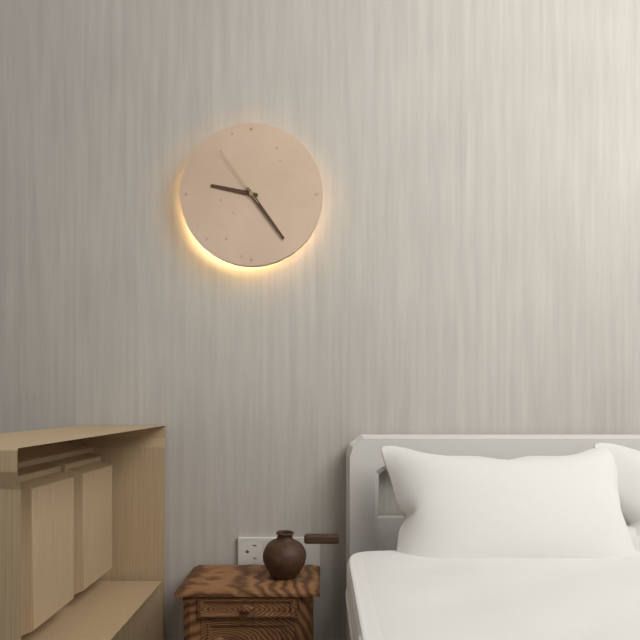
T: 9:24:54
